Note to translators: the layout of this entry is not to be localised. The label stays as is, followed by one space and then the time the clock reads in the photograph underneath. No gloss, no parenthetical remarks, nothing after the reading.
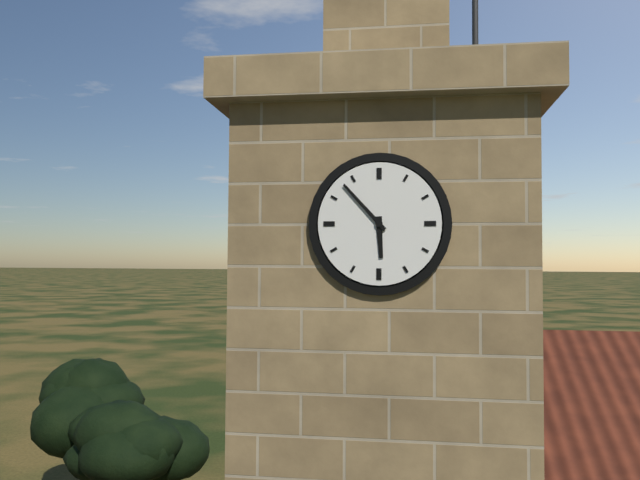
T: 5:53
